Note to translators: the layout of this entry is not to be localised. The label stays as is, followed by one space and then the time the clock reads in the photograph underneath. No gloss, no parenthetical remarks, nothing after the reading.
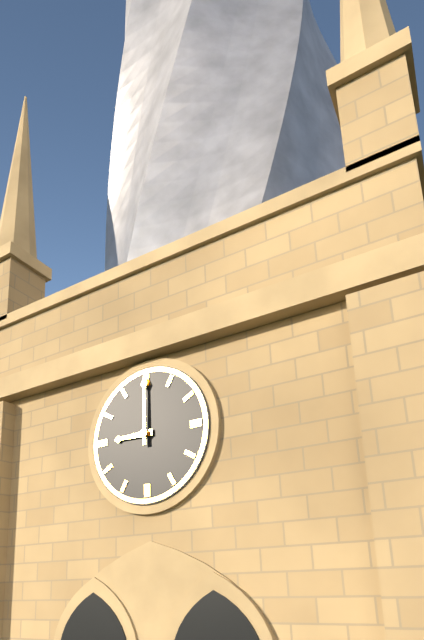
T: 9:00
